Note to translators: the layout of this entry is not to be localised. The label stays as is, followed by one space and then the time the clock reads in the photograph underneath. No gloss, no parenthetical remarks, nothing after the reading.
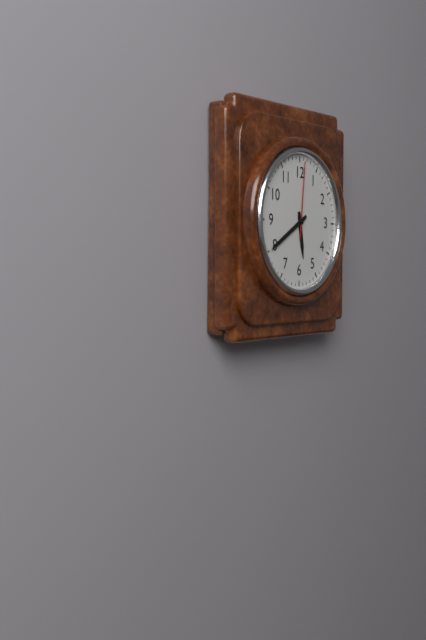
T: 5:40:01
